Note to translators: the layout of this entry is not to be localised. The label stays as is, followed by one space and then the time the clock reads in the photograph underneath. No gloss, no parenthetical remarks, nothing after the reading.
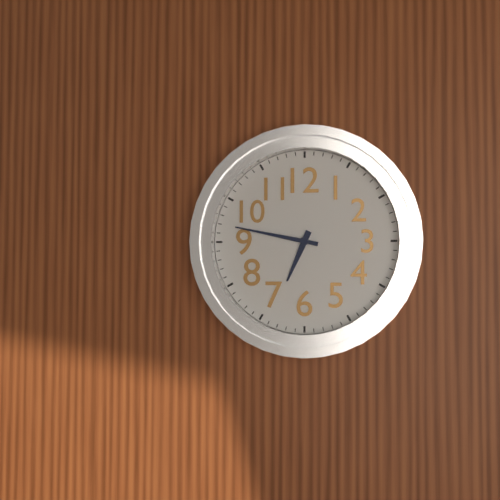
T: 6:47
